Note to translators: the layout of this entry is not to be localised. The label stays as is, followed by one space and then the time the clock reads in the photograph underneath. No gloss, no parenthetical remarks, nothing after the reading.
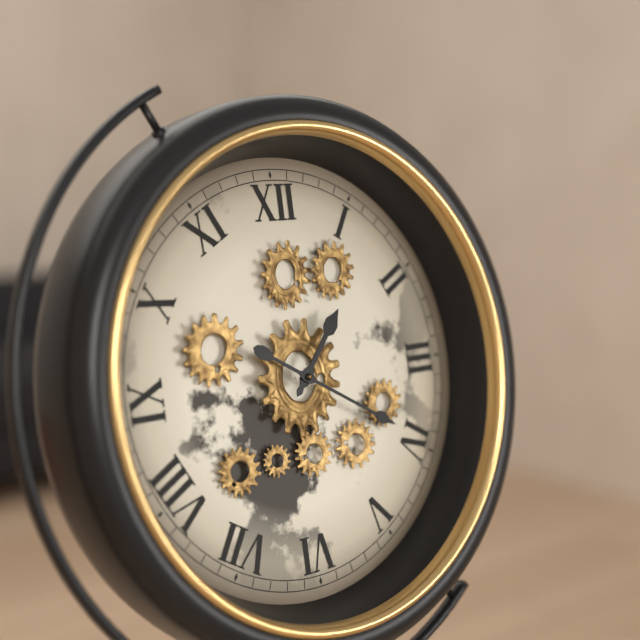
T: 1:20
